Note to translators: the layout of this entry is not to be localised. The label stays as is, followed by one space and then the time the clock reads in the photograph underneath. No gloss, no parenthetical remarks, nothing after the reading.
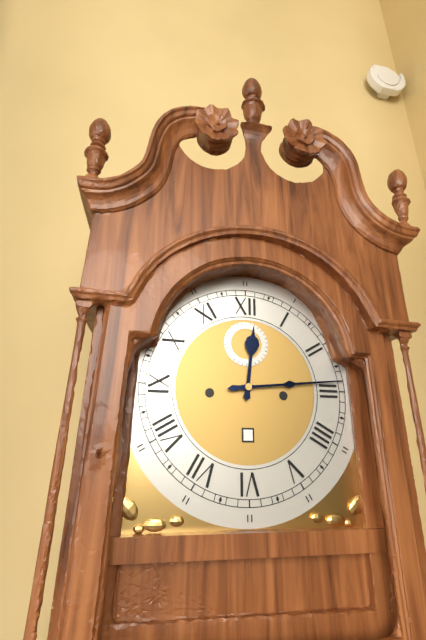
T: 12:14
